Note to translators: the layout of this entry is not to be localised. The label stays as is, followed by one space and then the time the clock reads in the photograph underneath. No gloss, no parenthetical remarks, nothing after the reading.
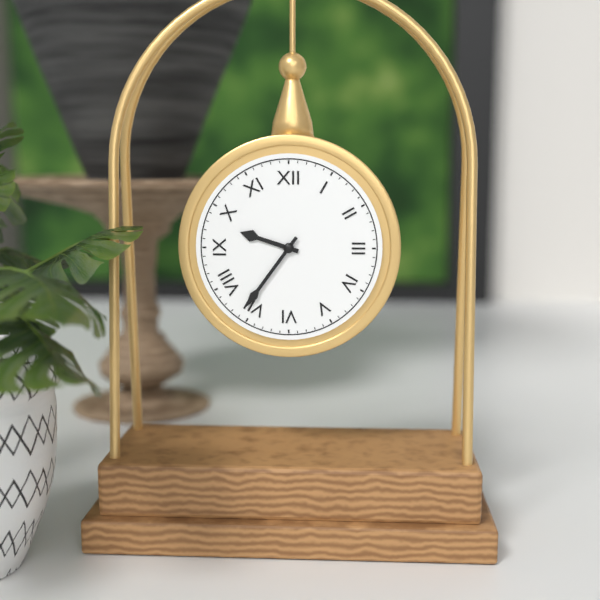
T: 9:36
